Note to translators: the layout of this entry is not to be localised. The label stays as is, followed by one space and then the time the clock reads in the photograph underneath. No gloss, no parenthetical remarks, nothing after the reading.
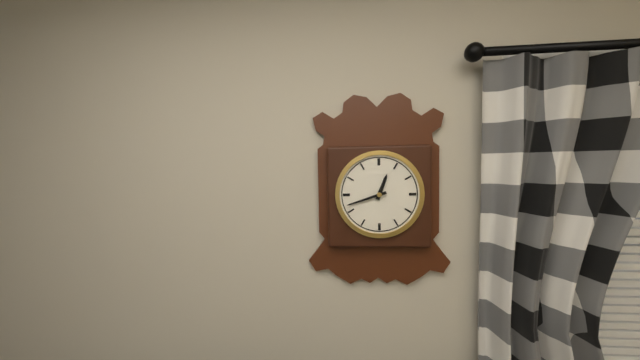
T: 12:42
